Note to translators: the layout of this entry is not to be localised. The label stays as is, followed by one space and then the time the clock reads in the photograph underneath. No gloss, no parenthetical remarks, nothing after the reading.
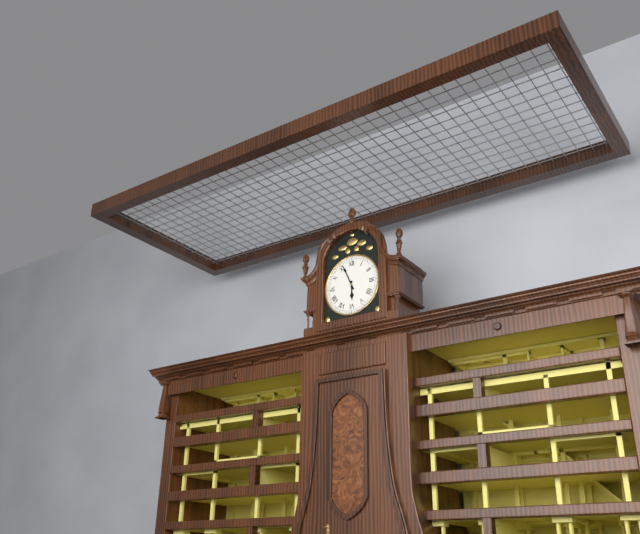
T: 5:56
